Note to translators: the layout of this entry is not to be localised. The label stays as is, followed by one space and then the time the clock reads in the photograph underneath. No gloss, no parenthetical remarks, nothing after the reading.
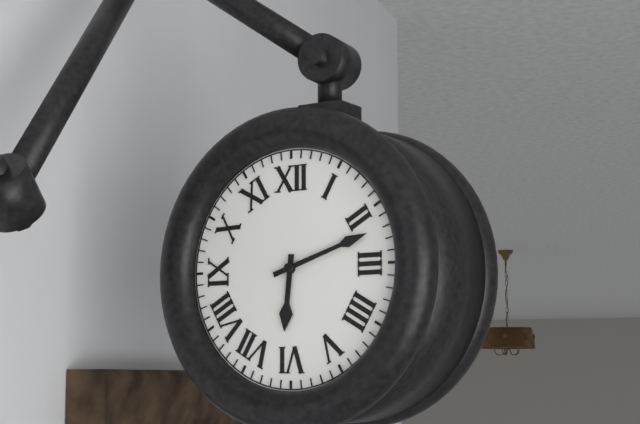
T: 6:12
